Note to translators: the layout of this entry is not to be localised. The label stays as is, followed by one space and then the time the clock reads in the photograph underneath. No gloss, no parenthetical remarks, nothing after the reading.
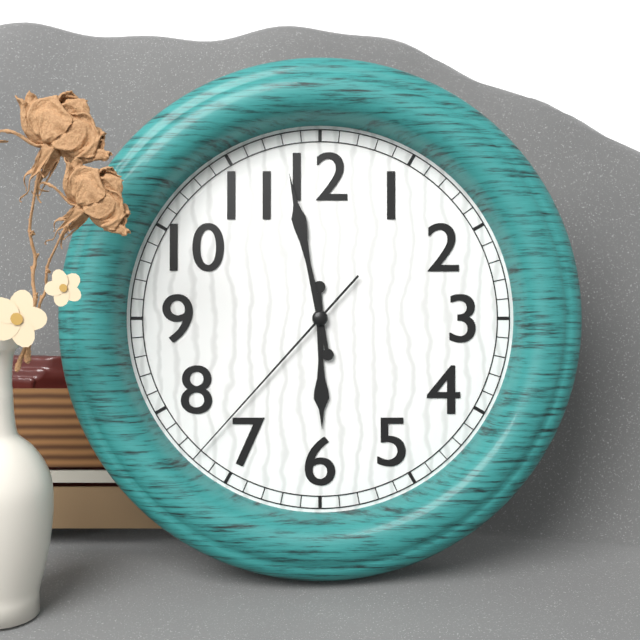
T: 5:58:37
